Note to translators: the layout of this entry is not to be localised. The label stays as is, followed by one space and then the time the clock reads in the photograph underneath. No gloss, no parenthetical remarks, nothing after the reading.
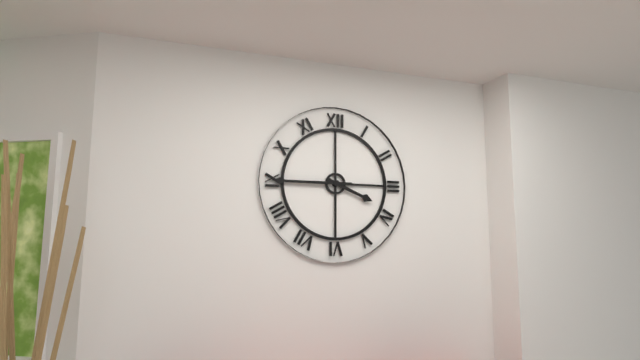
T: 3:45
